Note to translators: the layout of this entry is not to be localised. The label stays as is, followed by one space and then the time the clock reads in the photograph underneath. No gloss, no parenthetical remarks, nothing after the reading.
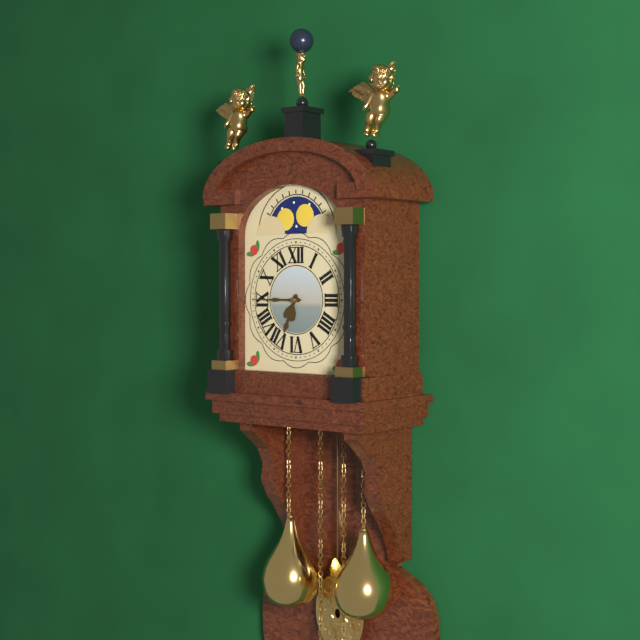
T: 6:45
